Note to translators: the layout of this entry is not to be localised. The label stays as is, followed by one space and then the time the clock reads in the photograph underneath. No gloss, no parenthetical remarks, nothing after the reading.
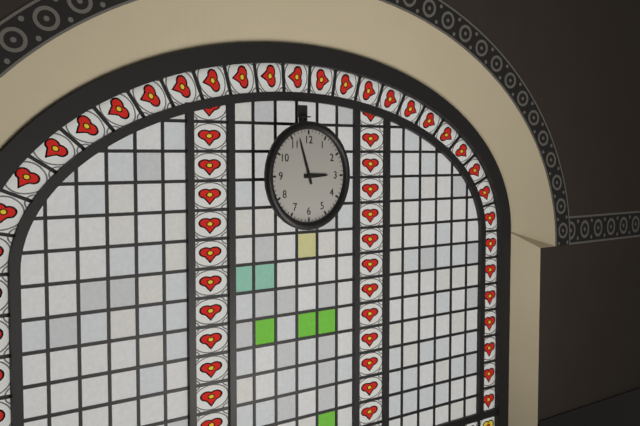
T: 2:57
